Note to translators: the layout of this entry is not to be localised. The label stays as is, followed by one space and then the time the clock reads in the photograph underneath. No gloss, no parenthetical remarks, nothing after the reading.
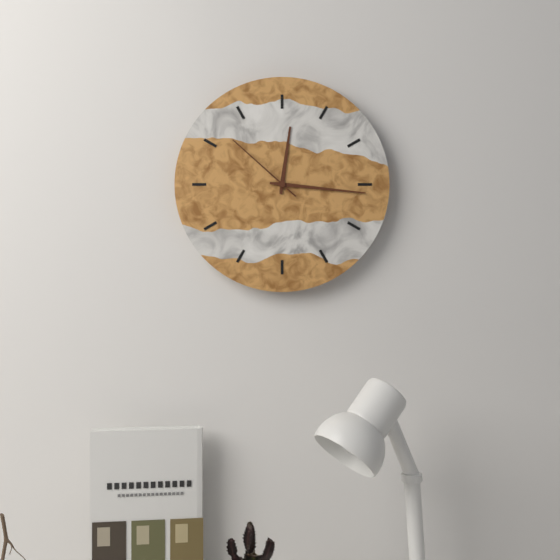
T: 12:16:52
